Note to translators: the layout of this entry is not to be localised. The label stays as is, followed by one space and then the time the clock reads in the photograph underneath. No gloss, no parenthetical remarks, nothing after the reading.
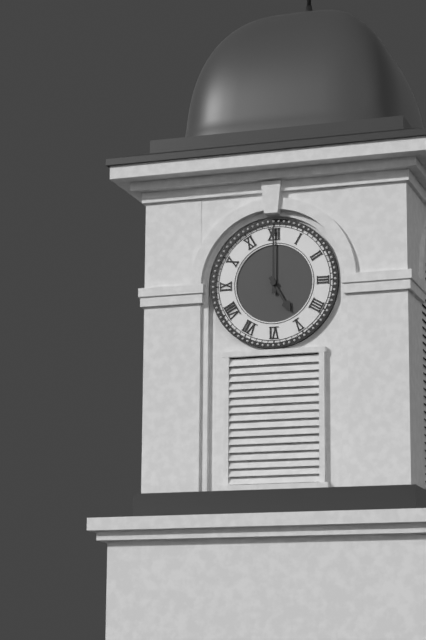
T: 5:00
